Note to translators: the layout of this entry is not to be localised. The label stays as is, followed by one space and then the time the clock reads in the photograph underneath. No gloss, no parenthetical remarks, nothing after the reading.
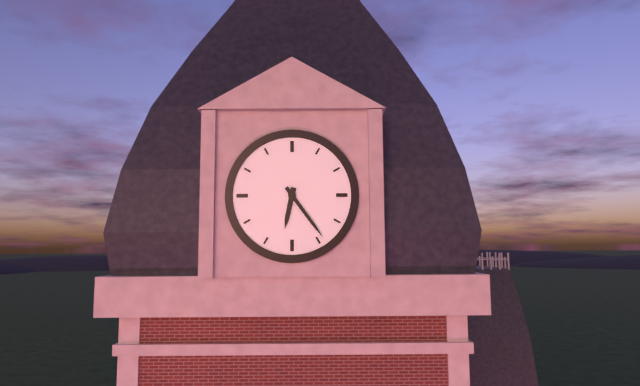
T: 6:24
